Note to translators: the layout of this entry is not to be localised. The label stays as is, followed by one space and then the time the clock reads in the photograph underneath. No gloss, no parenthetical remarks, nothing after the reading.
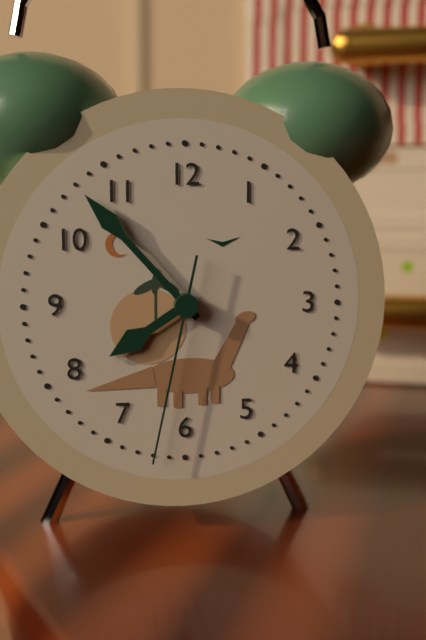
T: 7:53:32
